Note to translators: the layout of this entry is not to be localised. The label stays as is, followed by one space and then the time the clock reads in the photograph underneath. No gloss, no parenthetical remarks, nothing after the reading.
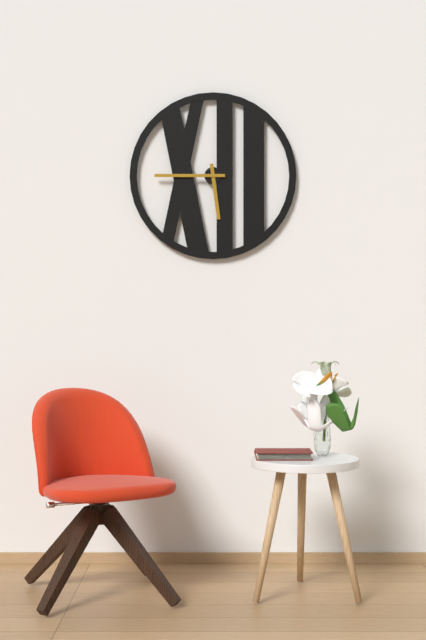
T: 5:45
